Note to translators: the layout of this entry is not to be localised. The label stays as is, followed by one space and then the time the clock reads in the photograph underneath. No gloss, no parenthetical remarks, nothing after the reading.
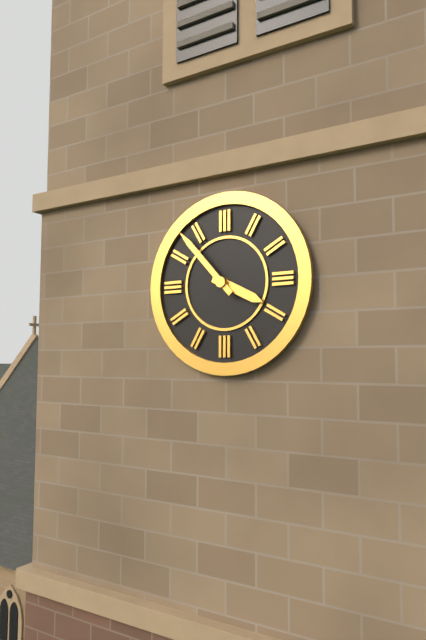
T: 3:53
